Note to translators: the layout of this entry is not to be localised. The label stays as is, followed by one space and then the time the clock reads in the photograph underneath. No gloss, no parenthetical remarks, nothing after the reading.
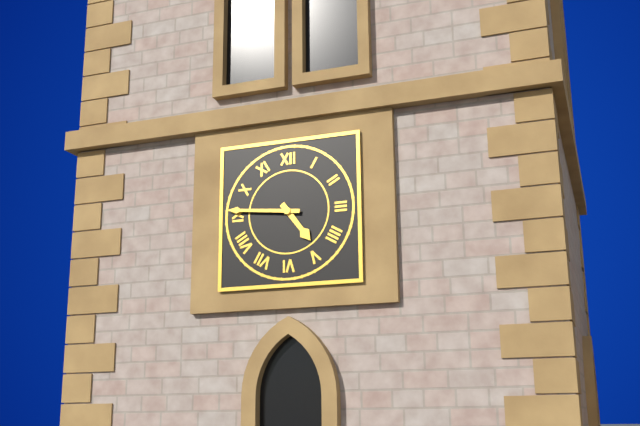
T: 4:46
